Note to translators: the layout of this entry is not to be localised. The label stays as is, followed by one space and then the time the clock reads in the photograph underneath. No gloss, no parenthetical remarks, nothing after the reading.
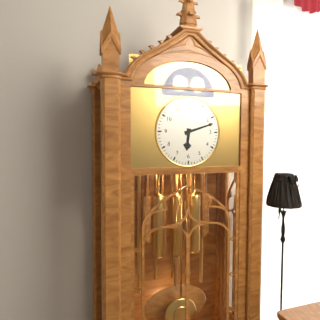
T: 6:12
